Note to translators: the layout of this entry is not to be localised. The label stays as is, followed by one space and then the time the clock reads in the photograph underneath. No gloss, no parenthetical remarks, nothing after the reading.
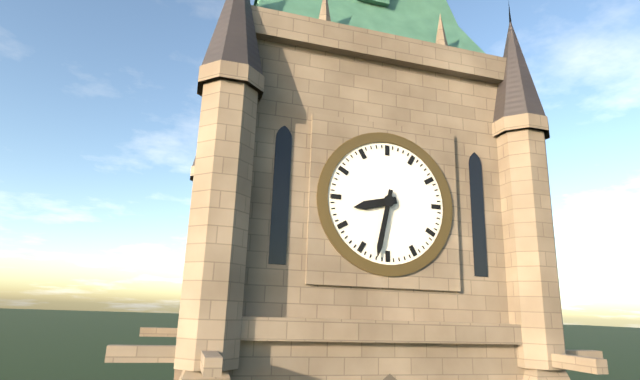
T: 8:32
